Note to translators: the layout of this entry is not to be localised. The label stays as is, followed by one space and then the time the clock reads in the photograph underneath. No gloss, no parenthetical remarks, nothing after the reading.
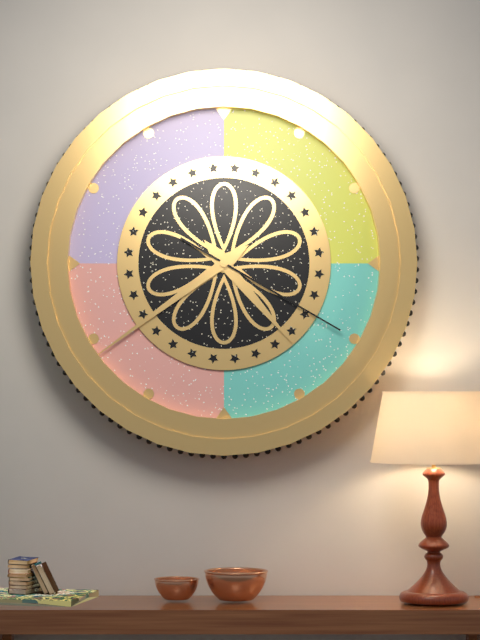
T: 4:39:20
